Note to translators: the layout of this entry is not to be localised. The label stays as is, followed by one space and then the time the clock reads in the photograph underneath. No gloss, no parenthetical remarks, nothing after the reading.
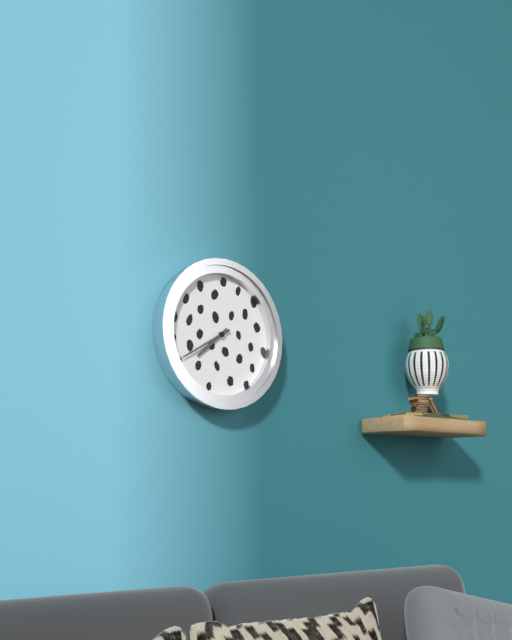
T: 7:40
